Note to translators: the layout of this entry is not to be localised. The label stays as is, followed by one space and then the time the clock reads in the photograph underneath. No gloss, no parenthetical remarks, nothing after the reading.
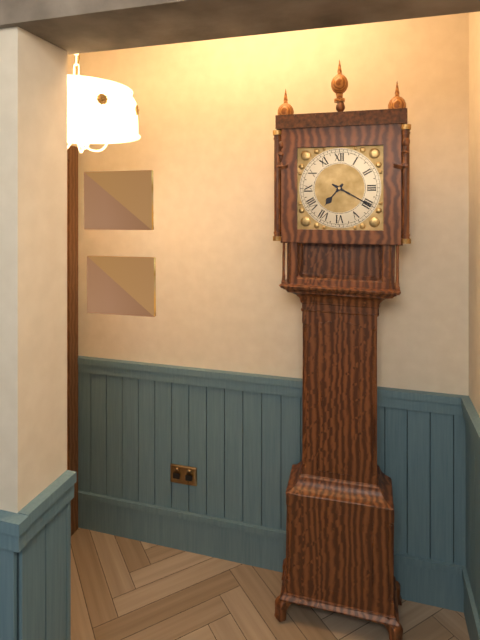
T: 7:20
